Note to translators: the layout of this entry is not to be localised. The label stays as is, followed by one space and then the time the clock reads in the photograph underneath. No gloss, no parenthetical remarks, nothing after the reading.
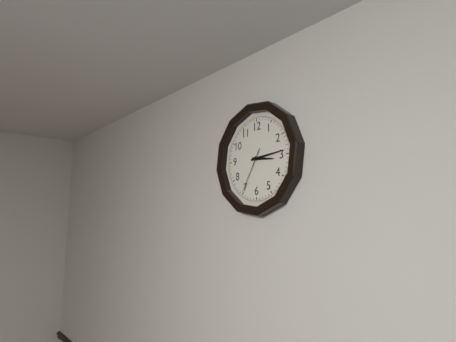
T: 3:14
